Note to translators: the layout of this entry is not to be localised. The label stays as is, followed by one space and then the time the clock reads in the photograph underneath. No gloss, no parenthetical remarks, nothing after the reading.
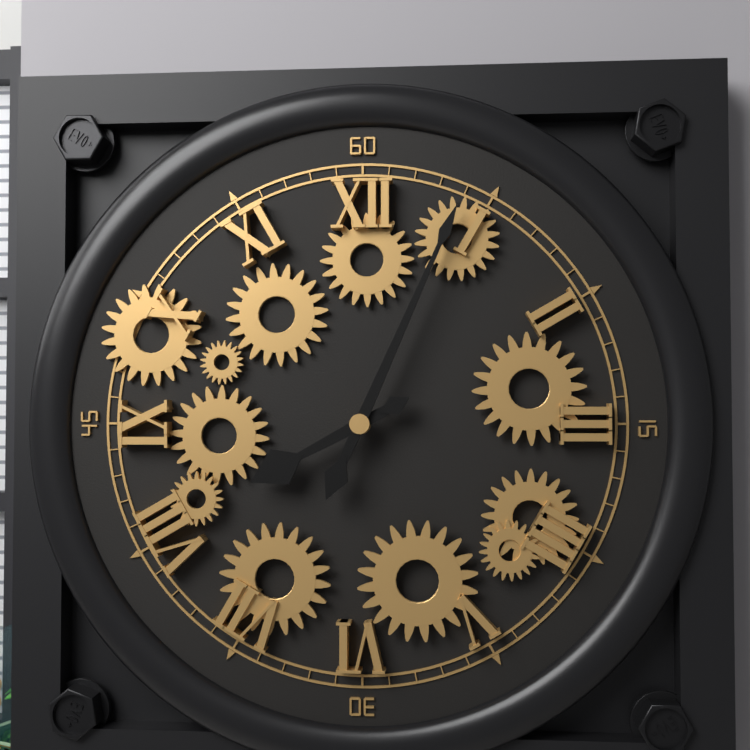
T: 8:04
